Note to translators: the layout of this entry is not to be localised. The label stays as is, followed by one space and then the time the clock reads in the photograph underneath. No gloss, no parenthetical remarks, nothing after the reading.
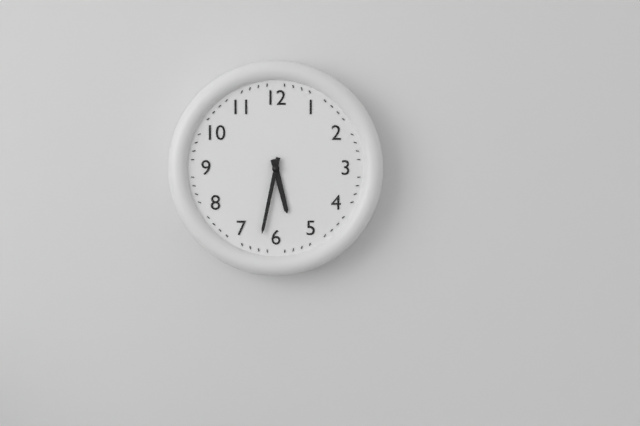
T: 5:32
